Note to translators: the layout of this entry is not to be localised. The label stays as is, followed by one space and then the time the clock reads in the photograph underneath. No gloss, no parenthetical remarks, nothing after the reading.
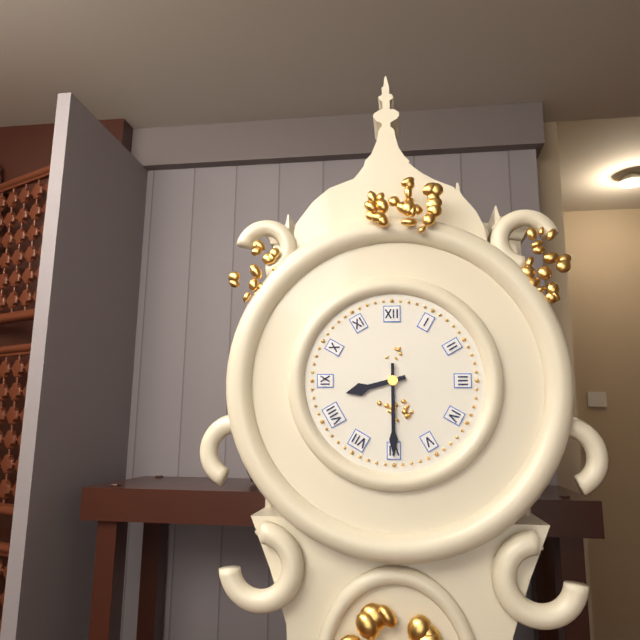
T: 8:30
